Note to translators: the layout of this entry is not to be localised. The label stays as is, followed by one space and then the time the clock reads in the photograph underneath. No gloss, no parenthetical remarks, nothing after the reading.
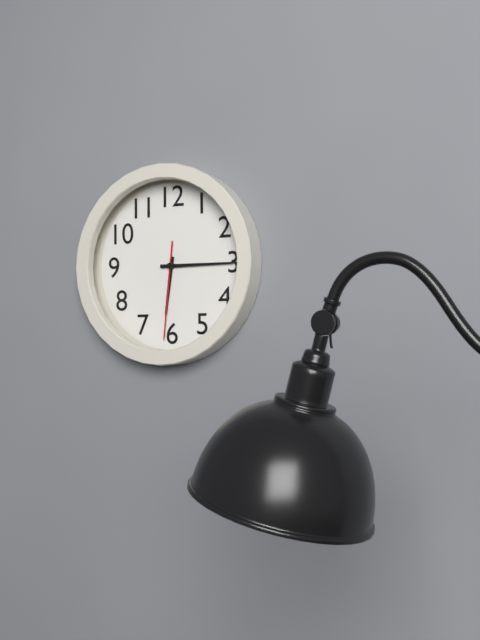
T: 6:15:31
